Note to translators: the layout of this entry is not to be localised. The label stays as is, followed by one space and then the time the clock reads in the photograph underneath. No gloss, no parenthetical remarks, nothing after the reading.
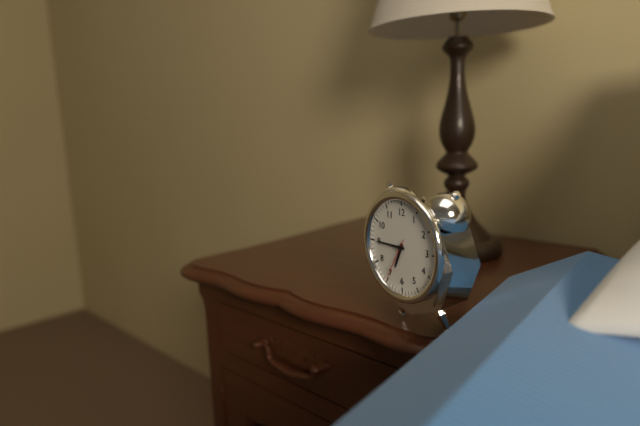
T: 6:45
